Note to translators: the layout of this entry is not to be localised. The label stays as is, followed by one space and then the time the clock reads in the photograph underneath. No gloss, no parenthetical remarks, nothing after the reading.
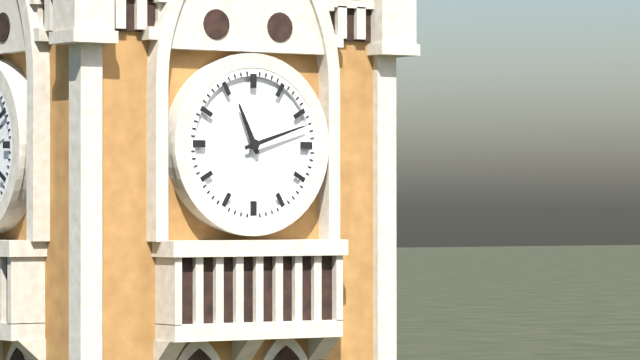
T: 11:12
